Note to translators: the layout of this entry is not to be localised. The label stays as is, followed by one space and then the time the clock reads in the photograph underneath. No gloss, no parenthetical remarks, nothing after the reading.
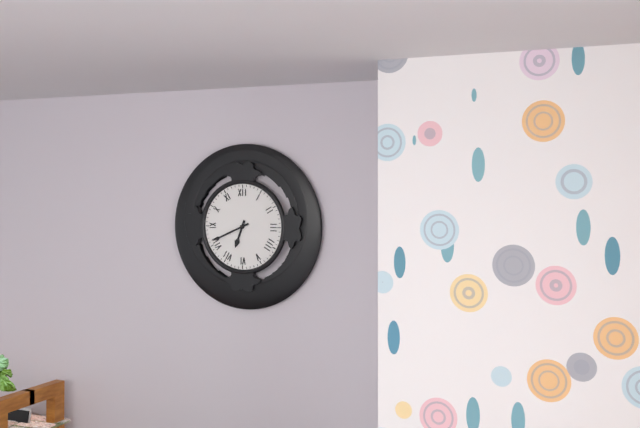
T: 6:41
